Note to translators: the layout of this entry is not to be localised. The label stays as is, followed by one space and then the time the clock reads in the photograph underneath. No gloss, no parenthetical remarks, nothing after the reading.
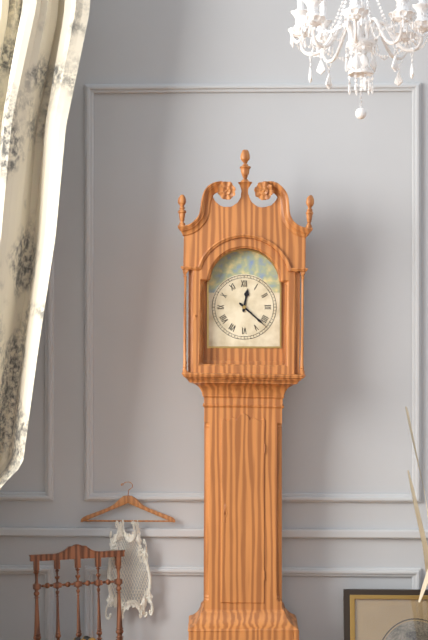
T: 12:22
